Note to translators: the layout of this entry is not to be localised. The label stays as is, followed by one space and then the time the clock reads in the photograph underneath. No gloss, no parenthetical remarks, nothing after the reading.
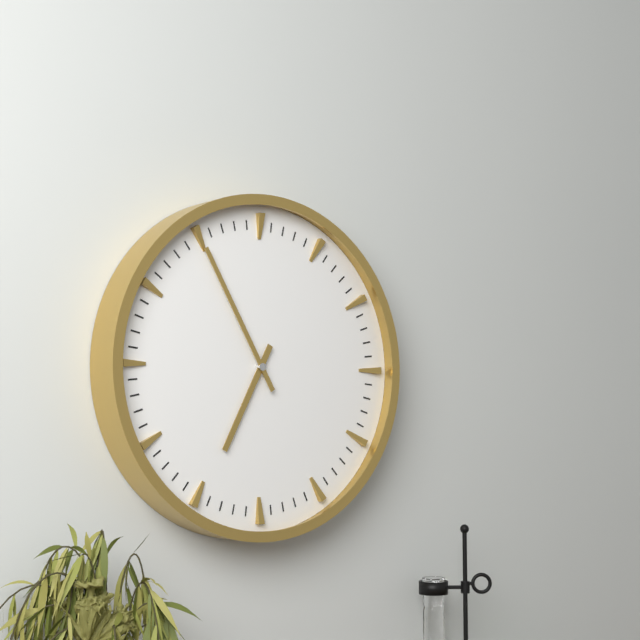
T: 6:55
